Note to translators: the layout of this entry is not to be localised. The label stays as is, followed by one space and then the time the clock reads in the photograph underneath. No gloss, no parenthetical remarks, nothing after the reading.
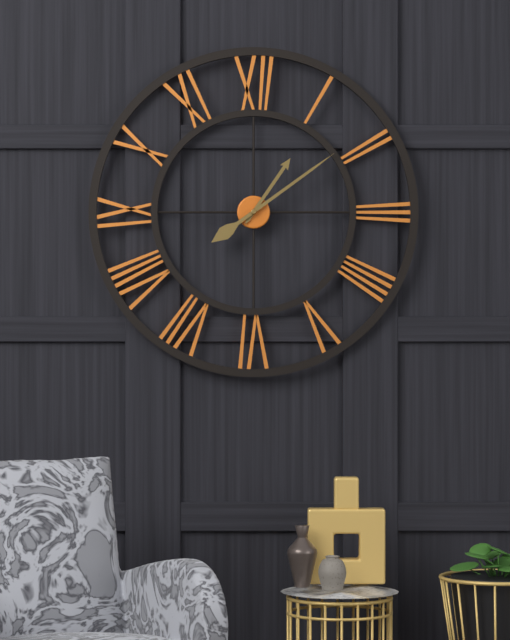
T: 1:09
